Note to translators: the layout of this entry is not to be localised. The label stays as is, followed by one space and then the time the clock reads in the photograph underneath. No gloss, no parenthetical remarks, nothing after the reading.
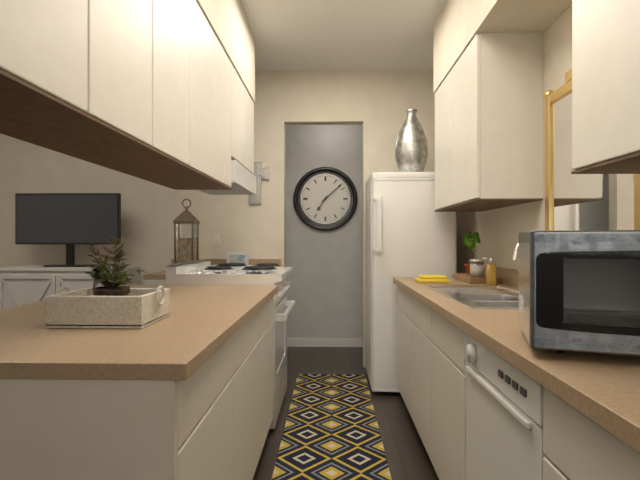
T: 7:08
